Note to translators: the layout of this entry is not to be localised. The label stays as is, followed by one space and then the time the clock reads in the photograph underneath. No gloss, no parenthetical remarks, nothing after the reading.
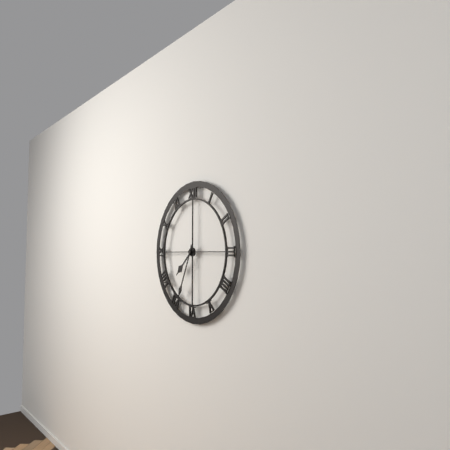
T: 7:34
